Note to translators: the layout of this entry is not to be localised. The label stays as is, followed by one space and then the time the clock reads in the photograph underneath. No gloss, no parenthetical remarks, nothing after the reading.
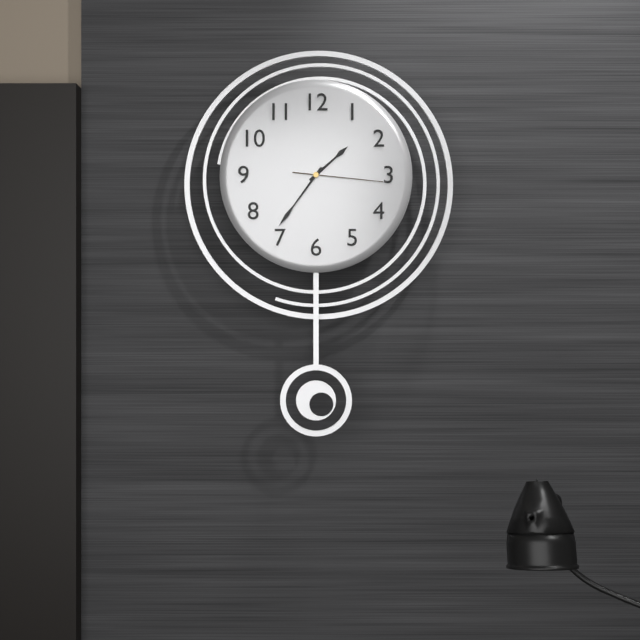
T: 1:36:16
